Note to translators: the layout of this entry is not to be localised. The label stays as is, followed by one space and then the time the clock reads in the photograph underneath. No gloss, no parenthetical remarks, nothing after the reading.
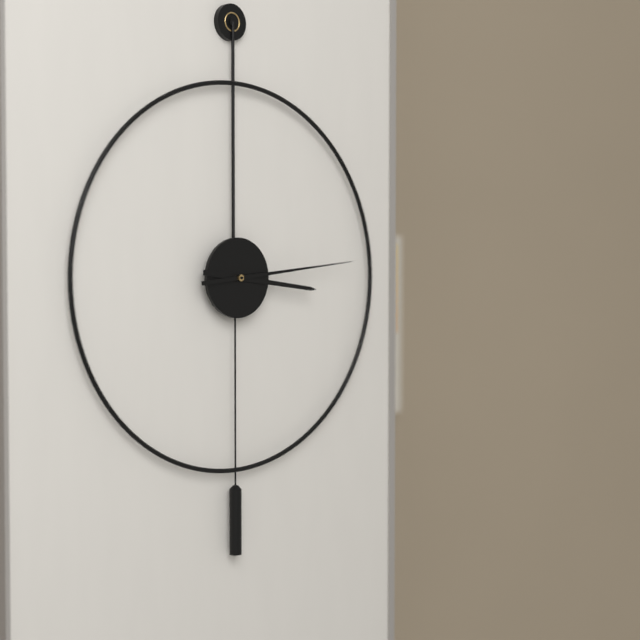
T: 3:14
